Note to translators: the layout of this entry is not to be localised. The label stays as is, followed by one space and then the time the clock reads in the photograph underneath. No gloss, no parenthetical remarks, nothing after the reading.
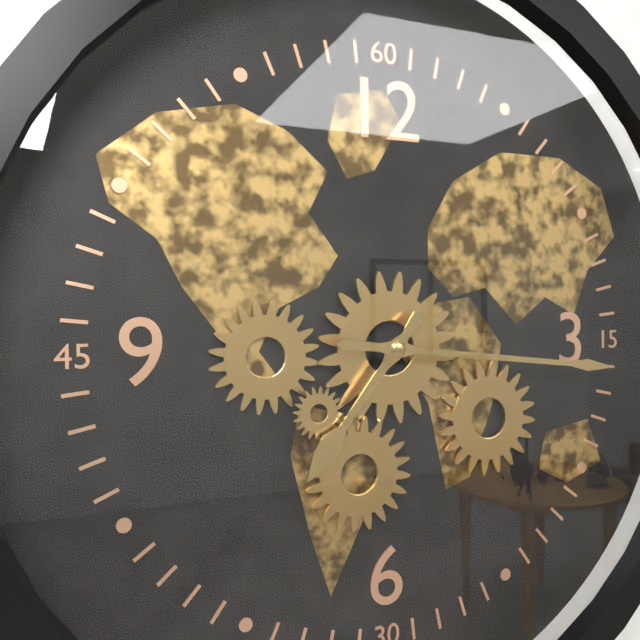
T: 7:16
